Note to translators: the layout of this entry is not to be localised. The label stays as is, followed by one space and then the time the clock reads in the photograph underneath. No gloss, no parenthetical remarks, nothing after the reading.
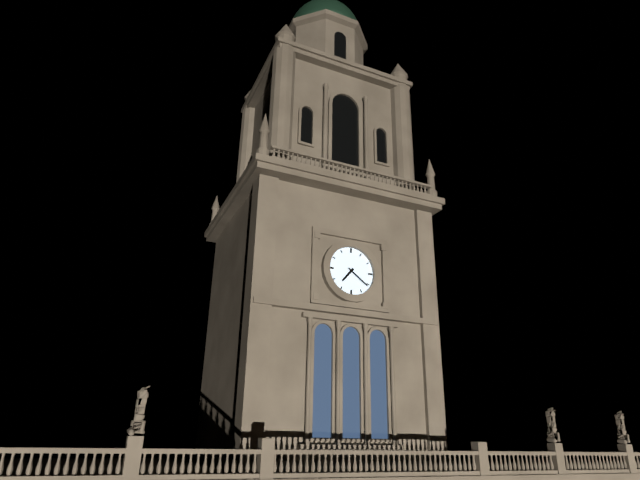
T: 7:21
